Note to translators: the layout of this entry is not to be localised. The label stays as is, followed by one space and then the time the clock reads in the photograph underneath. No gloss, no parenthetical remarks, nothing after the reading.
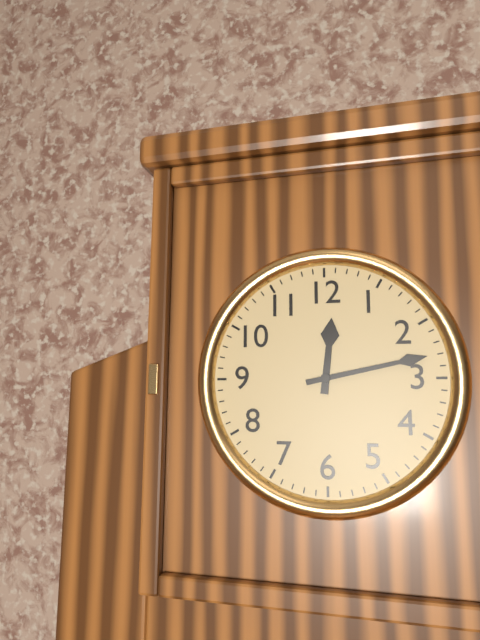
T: 12:13
